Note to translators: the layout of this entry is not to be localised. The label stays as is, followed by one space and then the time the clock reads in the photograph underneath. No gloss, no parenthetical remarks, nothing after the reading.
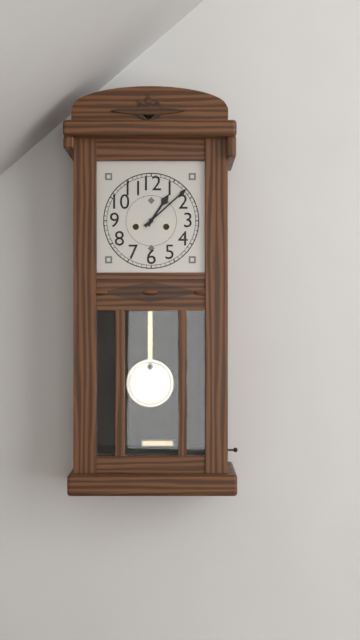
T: 1:08
